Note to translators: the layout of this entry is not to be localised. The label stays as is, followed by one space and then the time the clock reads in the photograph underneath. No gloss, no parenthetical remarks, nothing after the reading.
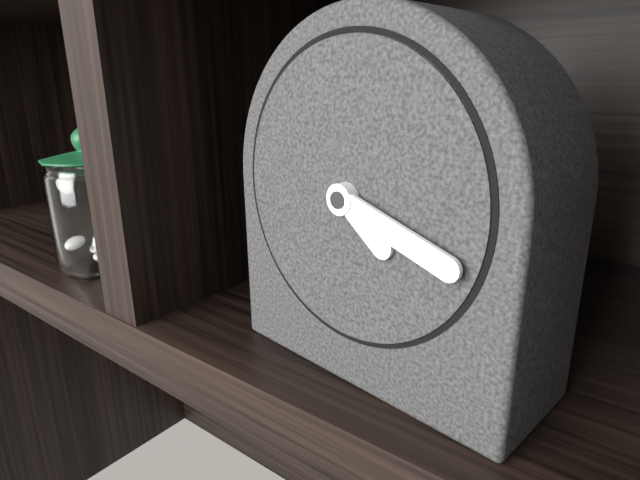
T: 4:18
